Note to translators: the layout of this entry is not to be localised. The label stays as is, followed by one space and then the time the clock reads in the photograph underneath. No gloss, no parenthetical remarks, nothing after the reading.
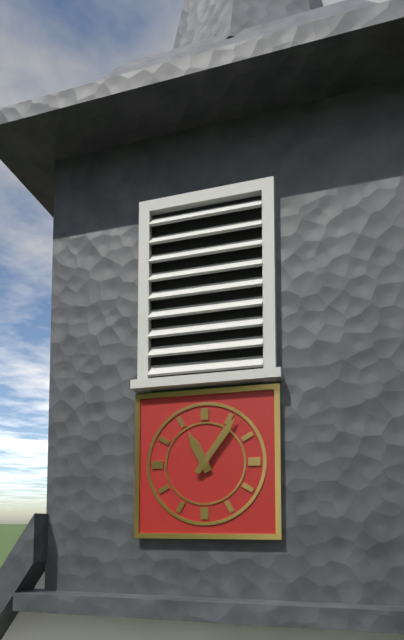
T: 11:06
